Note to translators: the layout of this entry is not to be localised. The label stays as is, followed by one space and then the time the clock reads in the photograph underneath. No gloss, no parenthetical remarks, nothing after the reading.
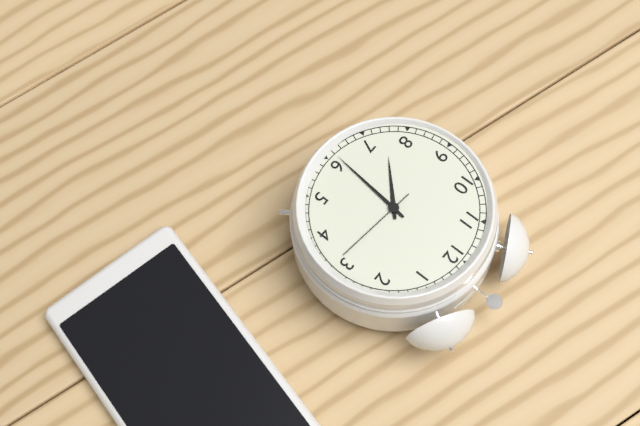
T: 7:31:16
